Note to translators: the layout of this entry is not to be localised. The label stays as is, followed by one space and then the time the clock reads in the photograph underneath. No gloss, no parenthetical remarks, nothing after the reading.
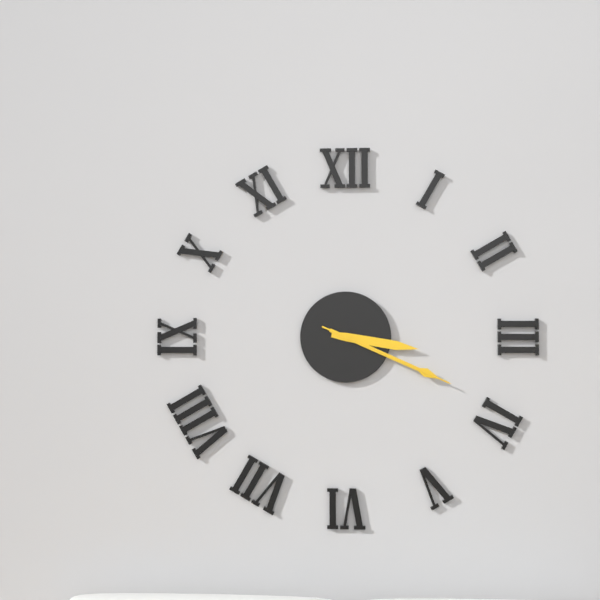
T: 3:19:19
